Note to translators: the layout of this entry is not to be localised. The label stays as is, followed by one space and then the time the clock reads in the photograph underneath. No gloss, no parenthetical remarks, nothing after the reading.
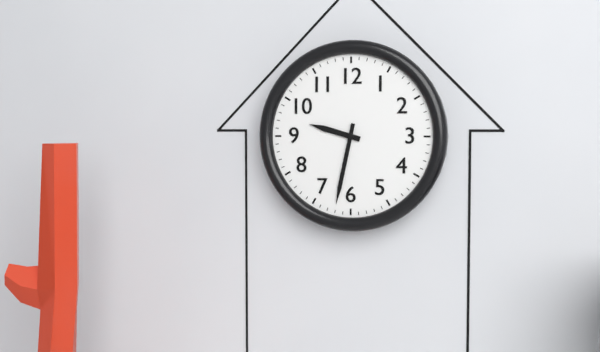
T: 9:32
